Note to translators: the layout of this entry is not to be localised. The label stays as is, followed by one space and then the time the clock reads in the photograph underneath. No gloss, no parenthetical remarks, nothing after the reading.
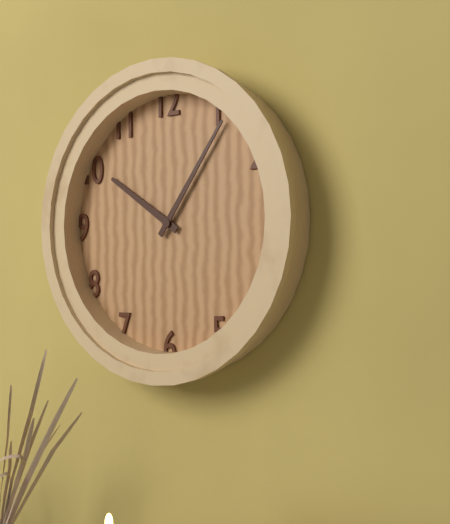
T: 10:06
